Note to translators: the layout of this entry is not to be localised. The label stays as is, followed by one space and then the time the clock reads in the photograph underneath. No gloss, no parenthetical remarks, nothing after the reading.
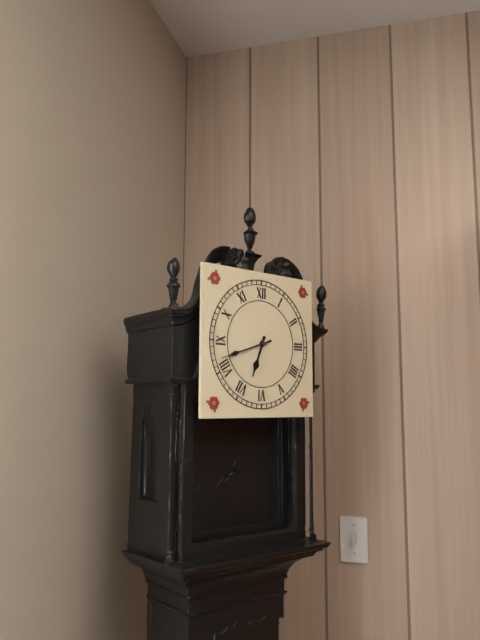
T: 6:42
